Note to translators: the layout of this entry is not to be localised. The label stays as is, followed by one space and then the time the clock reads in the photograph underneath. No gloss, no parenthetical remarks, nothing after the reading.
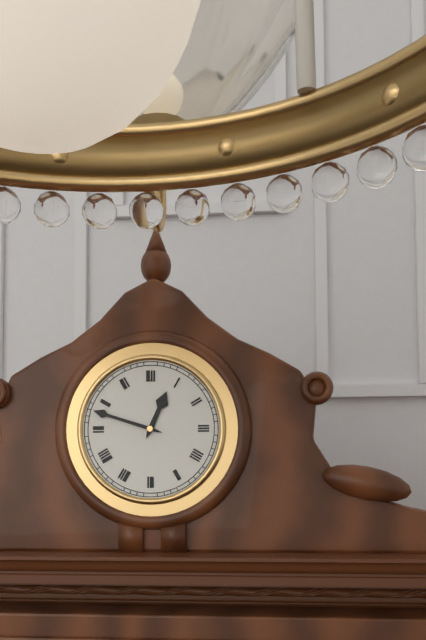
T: 12:48
